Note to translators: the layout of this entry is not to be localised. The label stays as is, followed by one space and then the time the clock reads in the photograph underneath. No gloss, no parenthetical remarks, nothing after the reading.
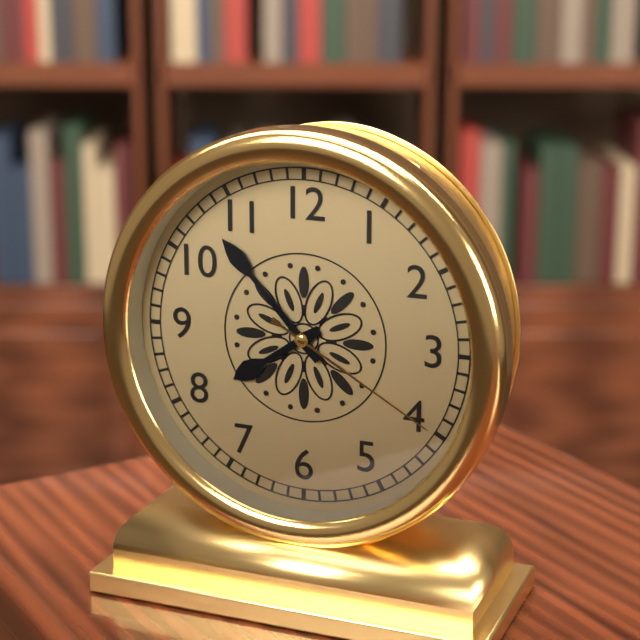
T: 7:53:20
